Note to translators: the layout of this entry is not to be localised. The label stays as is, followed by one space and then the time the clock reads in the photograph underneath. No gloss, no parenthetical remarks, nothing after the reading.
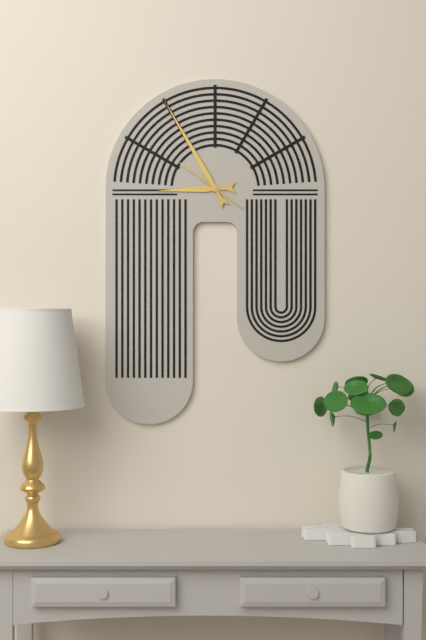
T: 8:55:51
